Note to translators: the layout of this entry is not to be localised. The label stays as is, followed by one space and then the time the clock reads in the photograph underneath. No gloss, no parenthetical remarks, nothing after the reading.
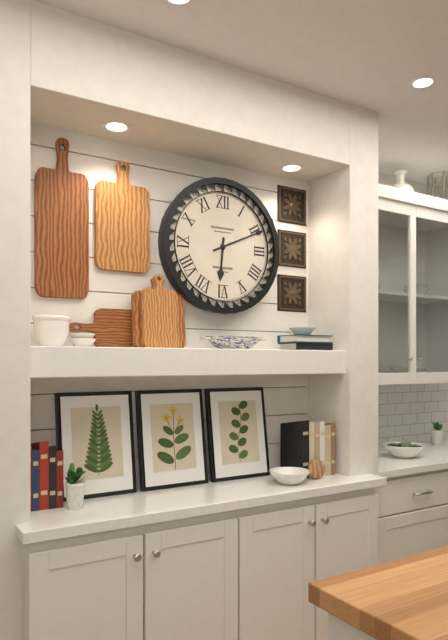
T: 6:11
